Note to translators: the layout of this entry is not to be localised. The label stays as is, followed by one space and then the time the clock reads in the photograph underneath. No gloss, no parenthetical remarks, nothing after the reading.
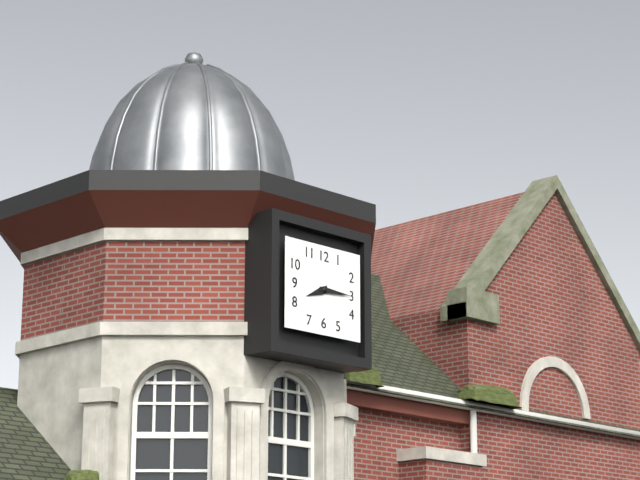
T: 8:15
